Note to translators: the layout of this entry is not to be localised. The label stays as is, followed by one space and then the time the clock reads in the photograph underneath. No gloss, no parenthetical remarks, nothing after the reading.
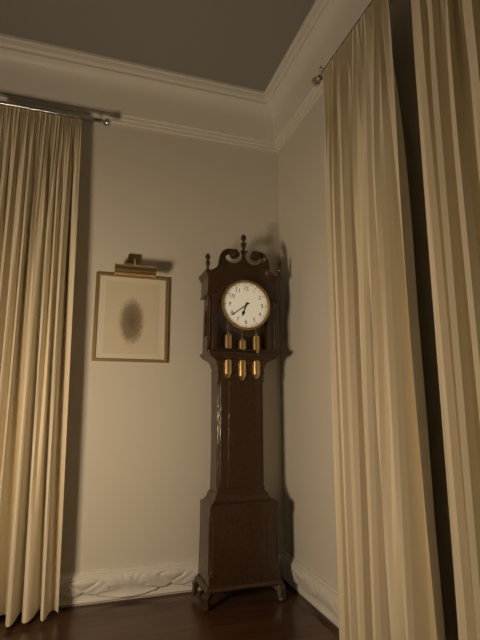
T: 6:39
